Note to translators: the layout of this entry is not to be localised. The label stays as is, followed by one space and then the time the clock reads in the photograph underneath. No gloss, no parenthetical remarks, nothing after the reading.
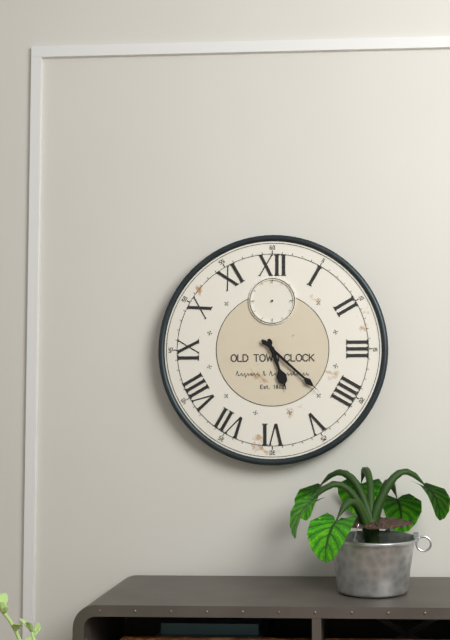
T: 5:22
